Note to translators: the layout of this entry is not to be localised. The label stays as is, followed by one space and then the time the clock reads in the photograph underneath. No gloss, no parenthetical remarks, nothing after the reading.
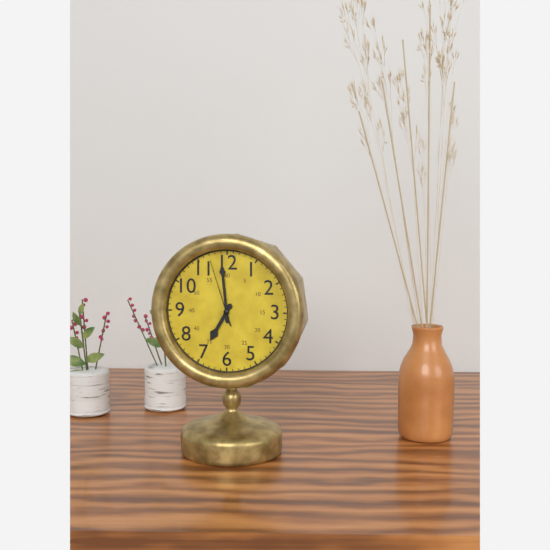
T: 6:59:57
